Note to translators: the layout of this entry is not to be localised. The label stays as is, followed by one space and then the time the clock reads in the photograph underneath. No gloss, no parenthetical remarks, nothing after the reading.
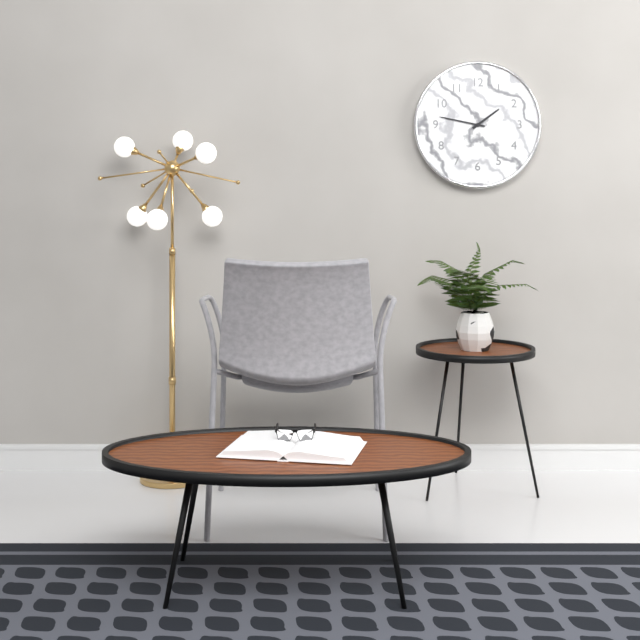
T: 1:47
